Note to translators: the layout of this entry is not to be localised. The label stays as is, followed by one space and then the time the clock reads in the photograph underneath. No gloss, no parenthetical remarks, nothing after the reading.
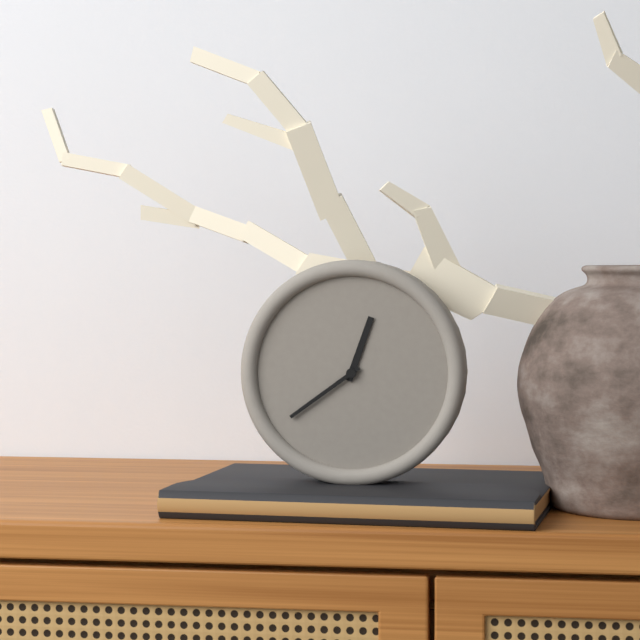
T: 12:39
